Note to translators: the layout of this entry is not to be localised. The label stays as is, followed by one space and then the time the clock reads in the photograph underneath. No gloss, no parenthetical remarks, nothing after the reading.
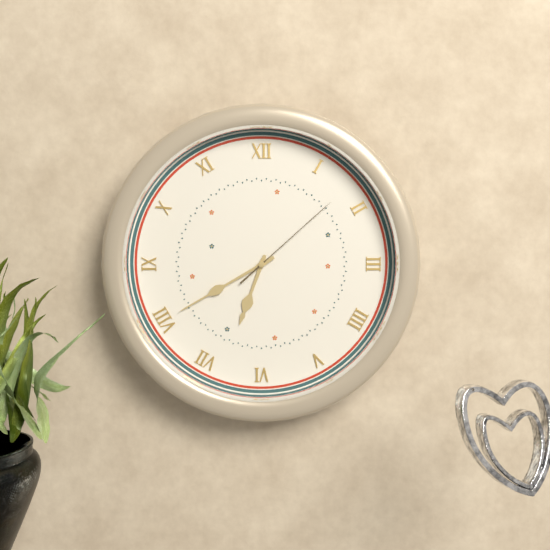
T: 6:40:08
